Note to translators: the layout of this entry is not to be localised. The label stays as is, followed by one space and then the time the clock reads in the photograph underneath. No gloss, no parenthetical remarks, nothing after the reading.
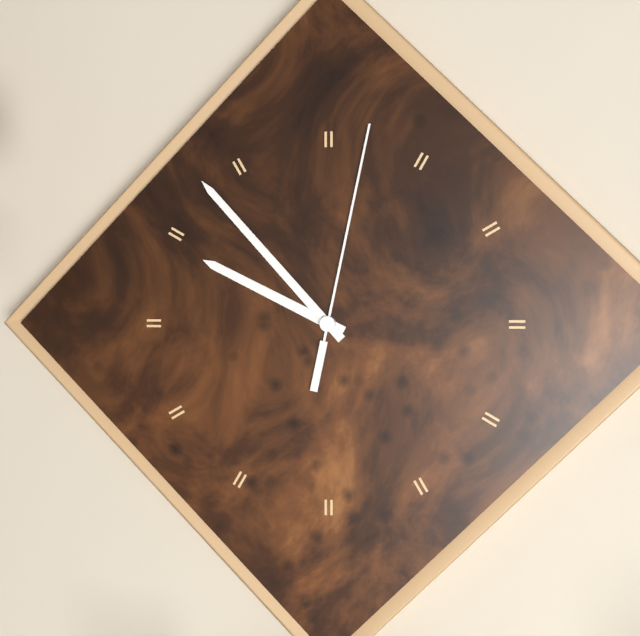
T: 9:53:02
